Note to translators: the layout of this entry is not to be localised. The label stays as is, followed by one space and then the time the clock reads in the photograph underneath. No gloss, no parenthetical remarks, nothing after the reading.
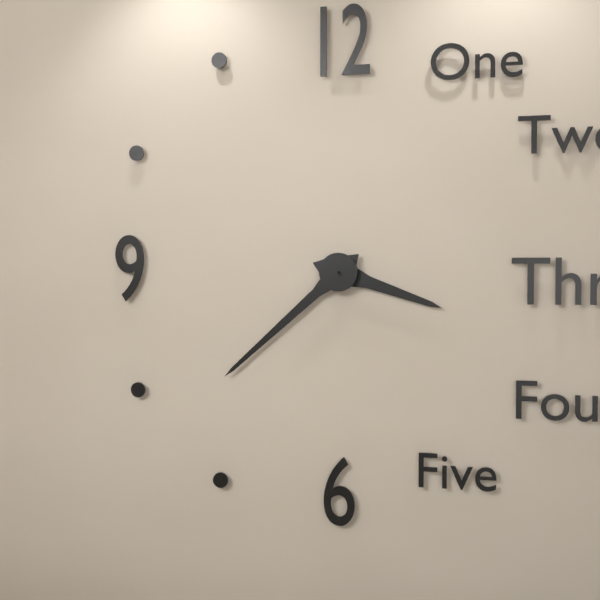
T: 3:38
